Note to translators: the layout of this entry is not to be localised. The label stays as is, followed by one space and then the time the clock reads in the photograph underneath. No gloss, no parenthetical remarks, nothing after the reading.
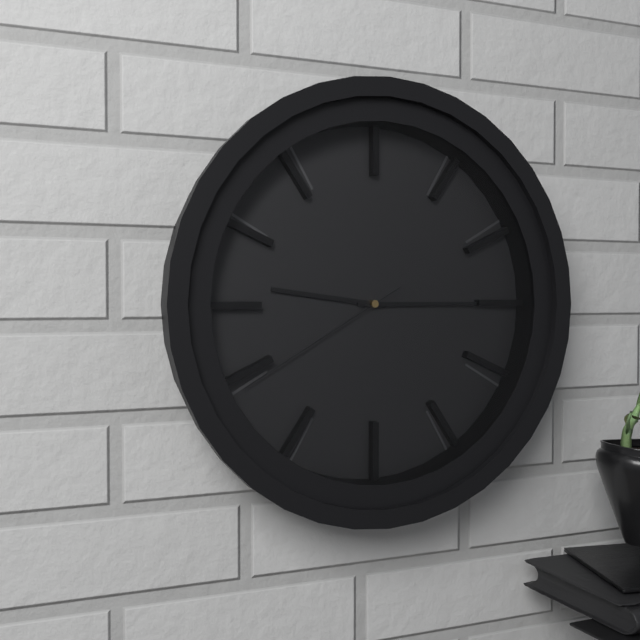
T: 9:15:40
